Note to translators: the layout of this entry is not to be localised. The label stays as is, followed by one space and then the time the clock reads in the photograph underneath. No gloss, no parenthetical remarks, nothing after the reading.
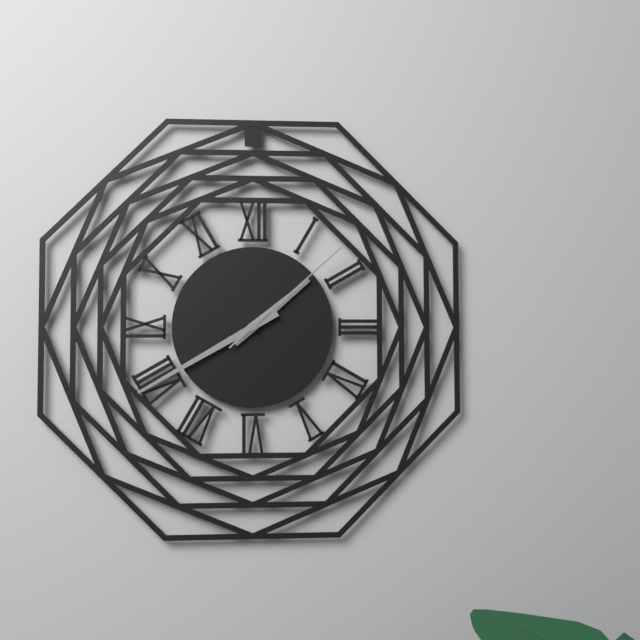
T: 1:40:08
